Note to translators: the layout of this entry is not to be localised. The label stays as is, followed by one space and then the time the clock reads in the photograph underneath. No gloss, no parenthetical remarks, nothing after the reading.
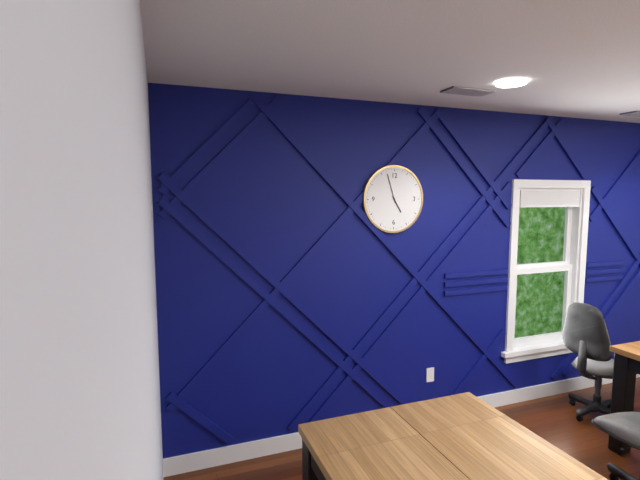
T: 4:57
